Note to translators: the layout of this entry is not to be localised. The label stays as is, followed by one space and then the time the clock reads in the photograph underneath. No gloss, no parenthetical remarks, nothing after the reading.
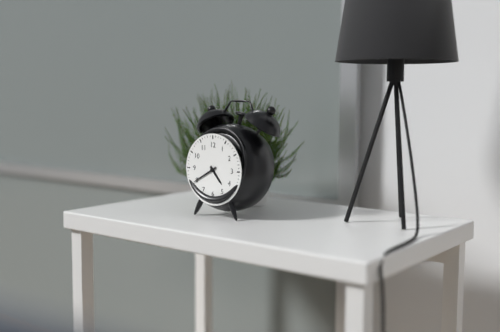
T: 4:40
